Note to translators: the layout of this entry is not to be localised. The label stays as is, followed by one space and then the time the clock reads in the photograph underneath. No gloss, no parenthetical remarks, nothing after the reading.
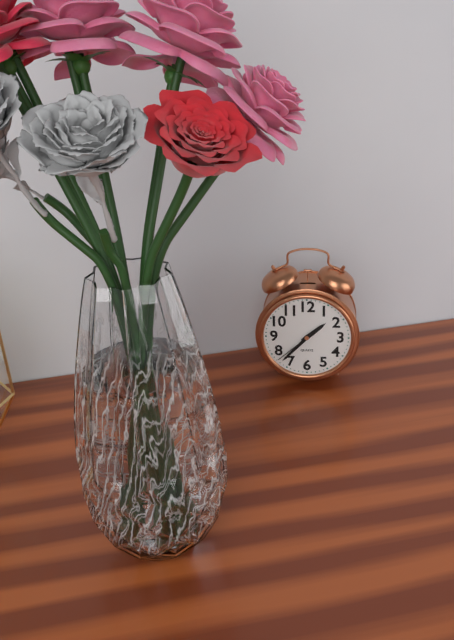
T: 1:37
